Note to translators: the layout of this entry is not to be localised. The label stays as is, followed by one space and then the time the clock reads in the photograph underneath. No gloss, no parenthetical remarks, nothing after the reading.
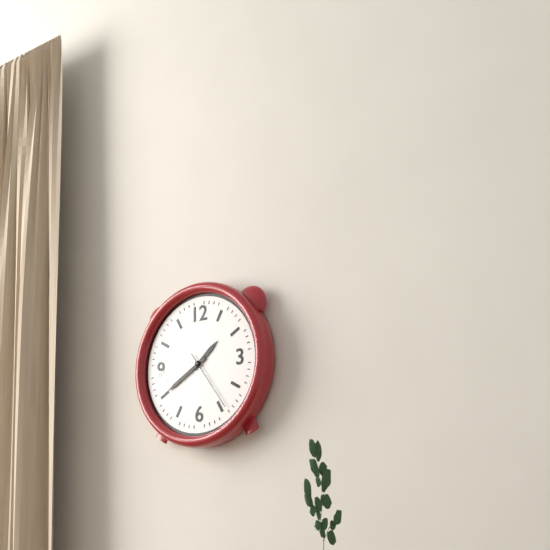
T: 1:40:24
